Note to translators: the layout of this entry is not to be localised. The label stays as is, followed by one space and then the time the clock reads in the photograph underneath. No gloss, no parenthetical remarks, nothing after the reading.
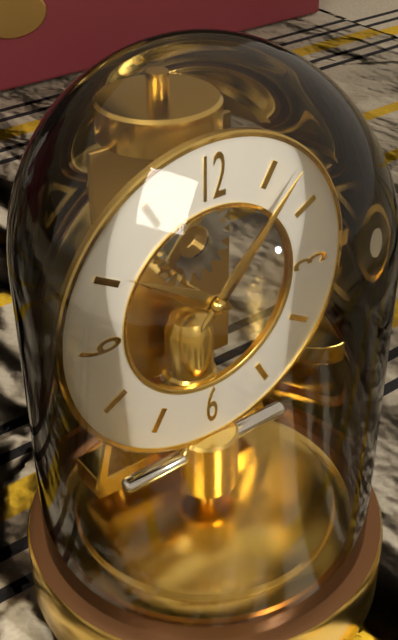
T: 10:07
